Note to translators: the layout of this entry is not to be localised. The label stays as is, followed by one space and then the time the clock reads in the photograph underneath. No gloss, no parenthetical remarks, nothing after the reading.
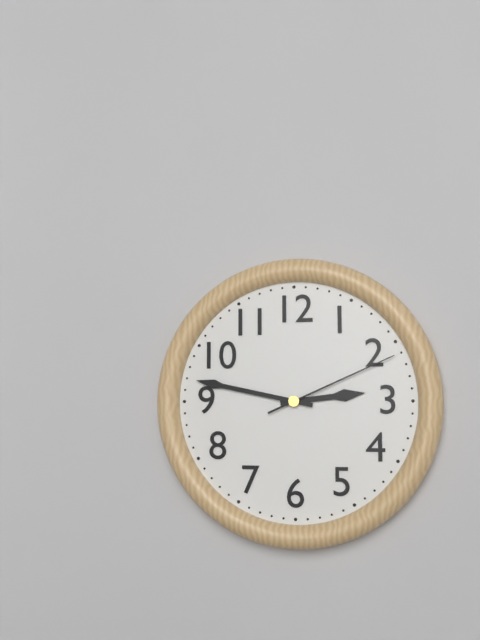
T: 2:47:11
